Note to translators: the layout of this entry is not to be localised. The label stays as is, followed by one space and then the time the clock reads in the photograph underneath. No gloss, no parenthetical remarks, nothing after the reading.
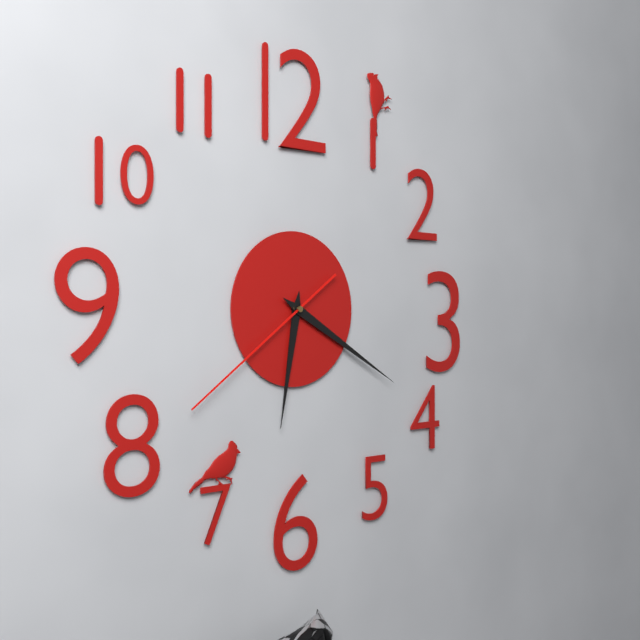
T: 6:20:39
